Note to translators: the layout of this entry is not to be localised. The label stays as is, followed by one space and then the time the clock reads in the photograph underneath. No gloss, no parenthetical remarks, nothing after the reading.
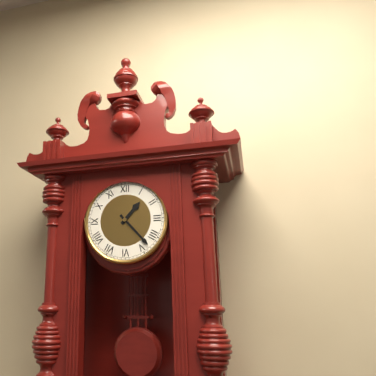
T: 1:23
